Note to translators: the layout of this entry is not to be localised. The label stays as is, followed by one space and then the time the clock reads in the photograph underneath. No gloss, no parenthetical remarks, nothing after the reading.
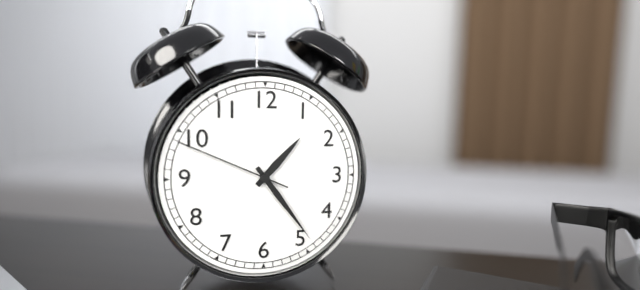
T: 1:24:49
